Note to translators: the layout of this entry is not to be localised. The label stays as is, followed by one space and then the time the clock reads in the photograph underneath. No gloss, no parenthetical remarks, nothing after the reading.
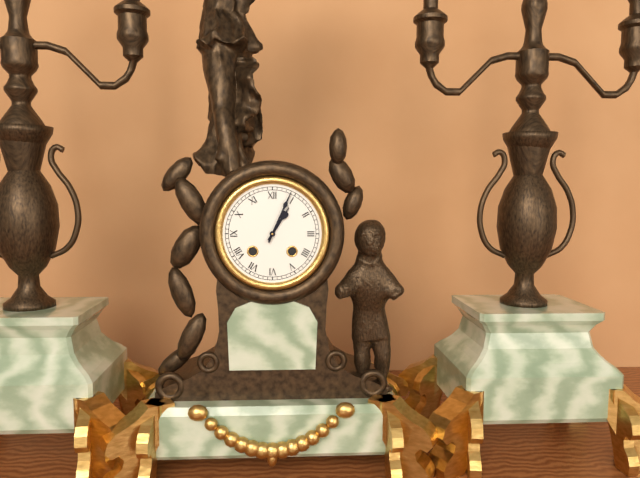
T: 1:04
